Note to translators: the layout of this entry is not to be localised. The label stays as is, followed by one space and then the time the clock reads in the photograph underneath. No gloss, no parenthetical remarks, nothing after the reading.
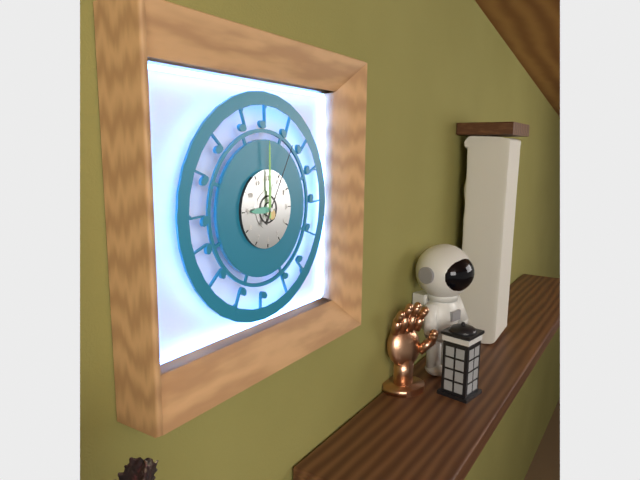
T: 9:00:05
